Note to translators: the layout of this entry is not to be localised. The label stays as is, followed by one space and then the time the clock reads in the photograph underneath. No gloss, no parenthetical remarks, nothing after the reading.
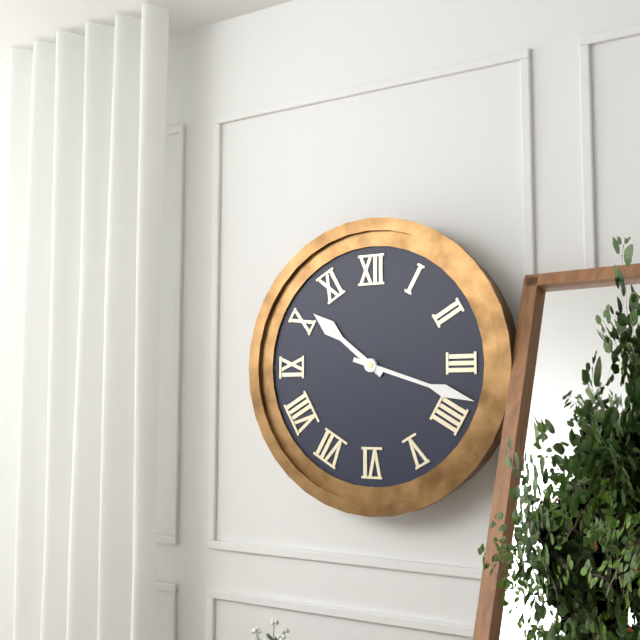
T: 10:18
